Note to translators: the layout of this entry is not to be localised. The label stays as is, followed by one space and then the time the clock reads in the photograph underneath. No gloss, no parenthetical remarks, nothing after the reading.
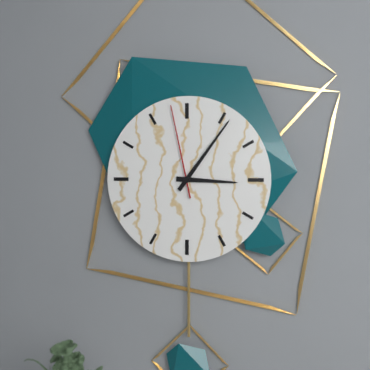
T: 3:06:58
